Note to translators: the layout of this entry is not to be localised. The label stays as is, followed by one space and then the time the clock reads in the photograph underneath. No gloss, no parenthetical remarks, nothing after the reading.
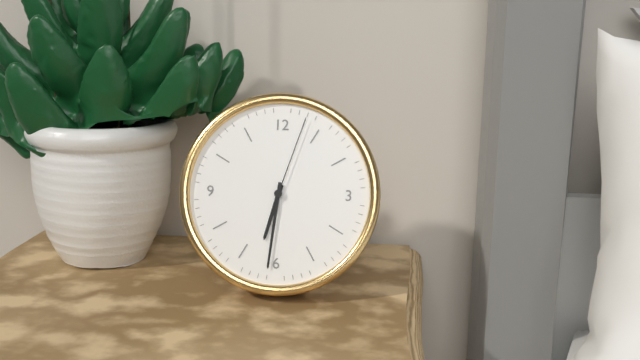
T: 6:31:03
